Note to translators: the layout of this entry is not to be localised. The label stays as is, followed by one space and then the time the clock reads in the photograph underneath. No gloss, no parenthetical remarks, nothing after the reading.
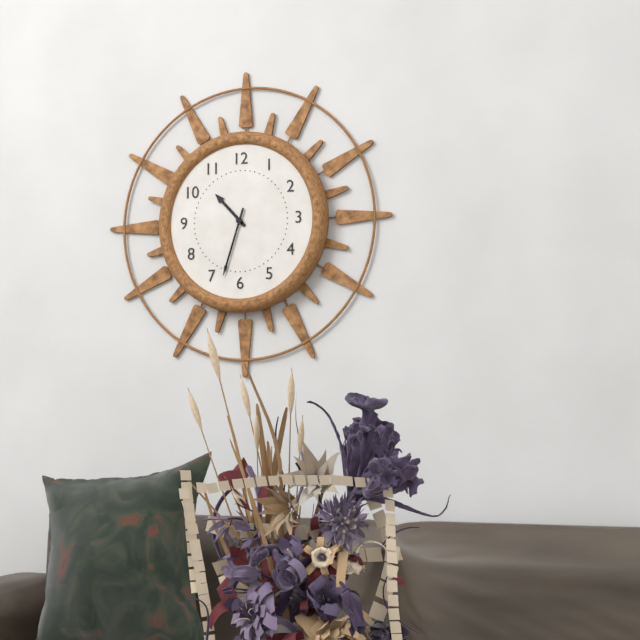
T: 10:33
